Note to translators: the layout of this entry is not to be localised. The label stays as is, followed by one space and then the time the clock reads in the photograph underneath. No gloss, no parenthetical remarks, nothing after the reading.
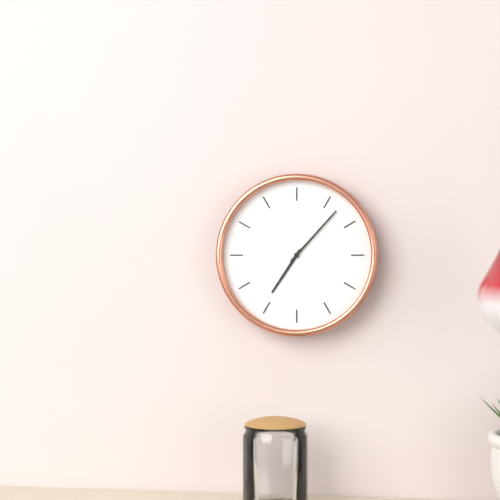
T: 7:07
